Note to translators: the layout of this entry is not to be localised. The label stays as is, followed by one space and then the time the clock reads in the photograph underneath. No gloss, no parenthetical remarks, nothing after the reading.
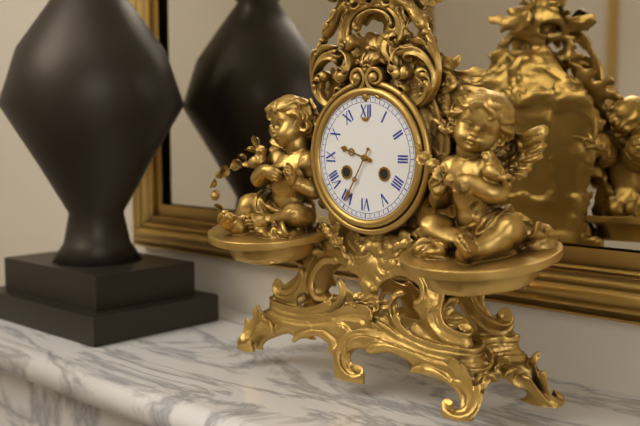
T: 9:35
